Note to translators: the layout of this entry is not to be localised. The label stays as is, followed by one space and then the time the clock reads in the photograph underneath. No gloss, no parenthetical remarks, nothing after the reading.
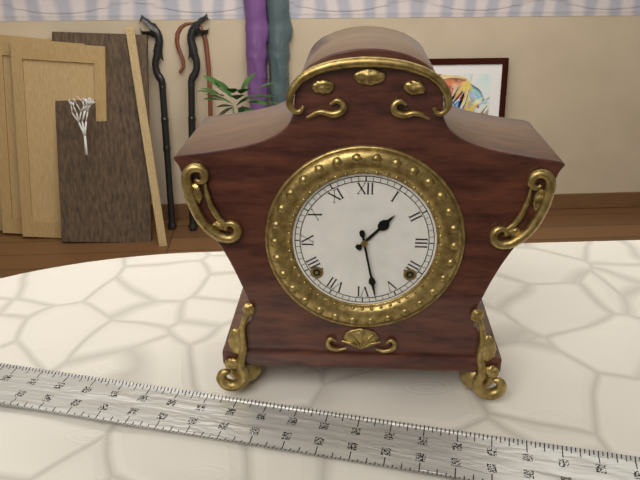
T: 1:28
